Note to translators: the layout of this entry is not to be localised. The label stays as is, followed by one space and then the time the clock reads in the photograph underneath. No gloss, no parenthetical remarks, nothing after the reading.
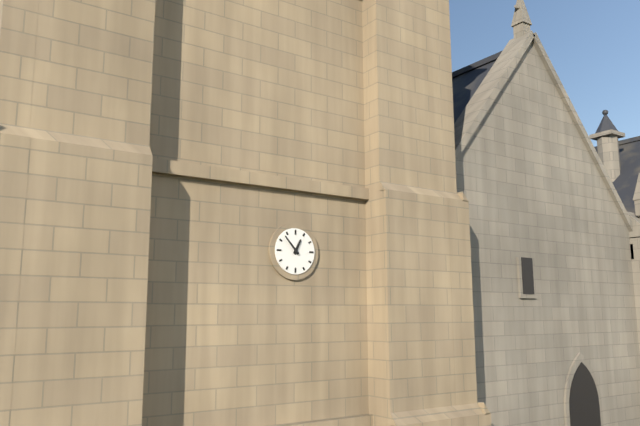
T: 12:53
